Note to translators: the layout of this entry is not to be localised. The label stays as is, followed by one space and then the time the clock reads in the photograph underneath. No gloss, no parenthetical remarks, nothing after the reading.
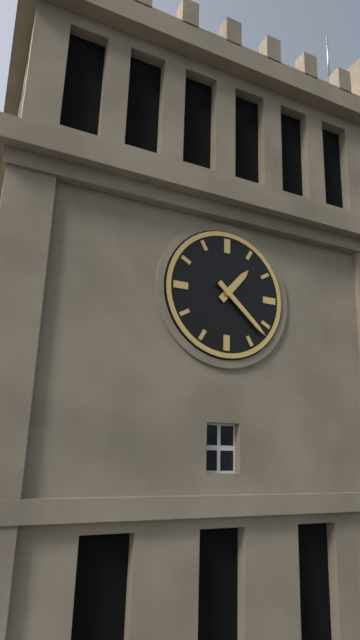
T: 1:22
